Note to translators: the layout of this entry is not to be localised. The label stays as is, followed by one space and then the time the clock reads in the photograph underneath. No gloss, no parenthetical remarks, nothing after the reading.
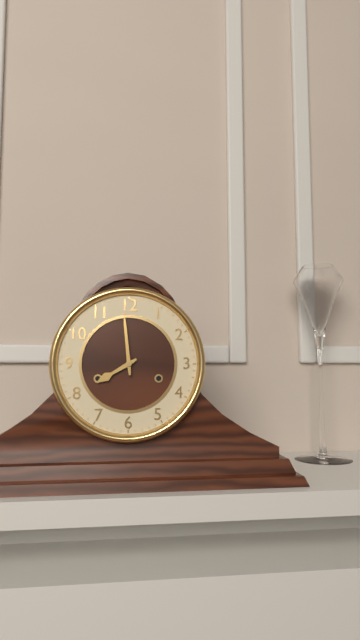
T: 7:59
